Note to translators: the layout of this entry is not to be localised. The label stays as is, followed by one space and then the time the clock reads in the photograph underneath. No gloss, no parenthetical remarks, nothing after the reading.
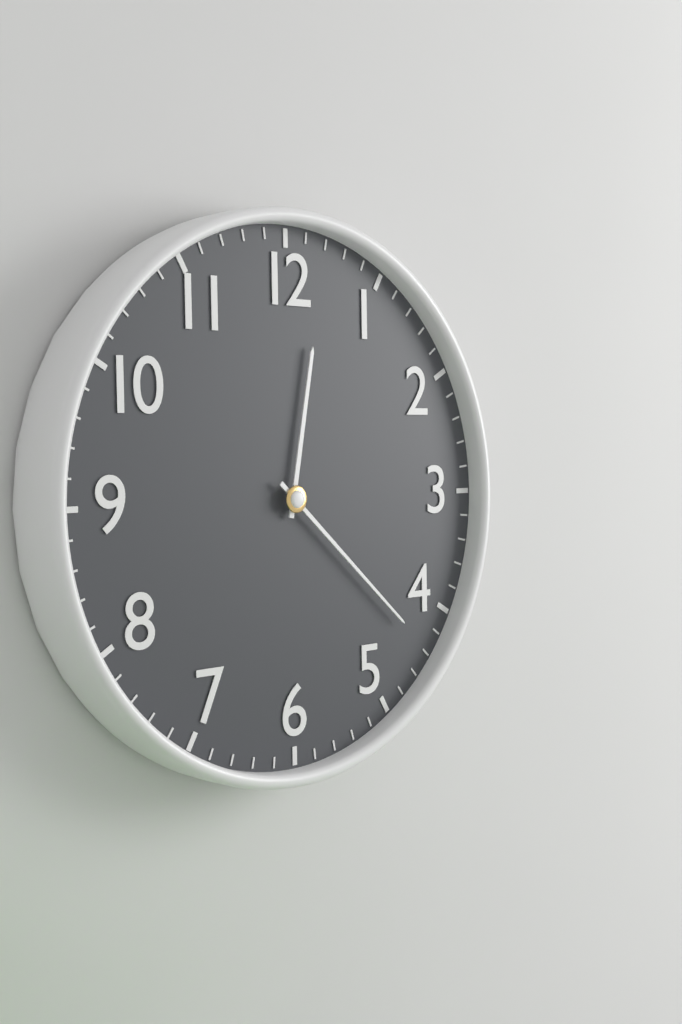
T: 12:22
